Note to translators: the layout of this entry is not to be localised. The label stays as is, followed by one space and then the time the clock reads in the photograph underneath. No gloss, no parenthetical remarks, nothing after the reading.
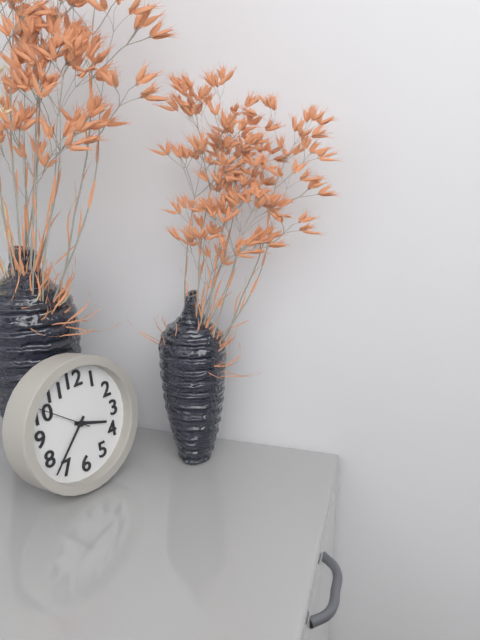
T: 3:37:51
